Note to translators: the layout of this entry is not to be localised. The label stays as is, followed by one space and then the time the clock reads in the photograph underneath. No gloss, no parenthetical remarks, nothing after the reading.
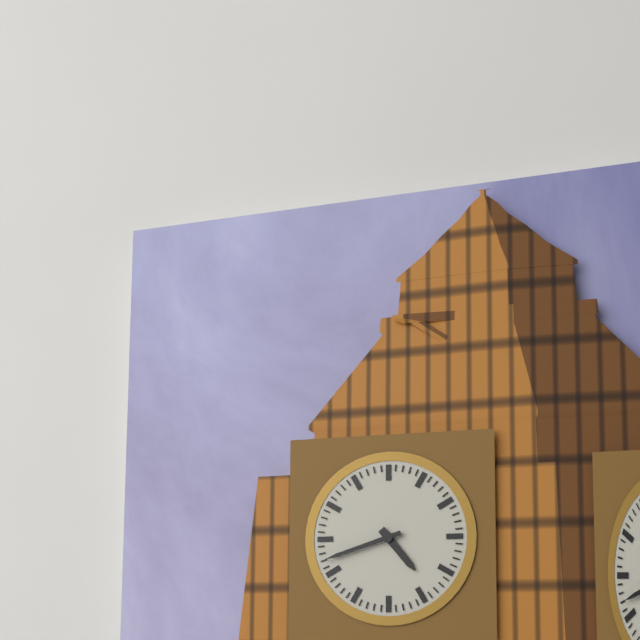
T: 4:42
